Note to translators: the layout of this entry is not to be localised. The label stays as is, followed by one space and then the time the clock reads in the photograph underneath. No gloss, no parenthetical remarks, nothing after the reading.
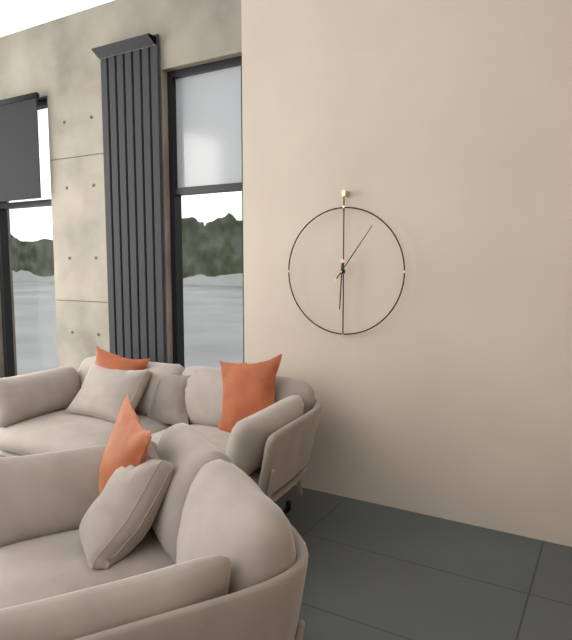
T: 6:06
